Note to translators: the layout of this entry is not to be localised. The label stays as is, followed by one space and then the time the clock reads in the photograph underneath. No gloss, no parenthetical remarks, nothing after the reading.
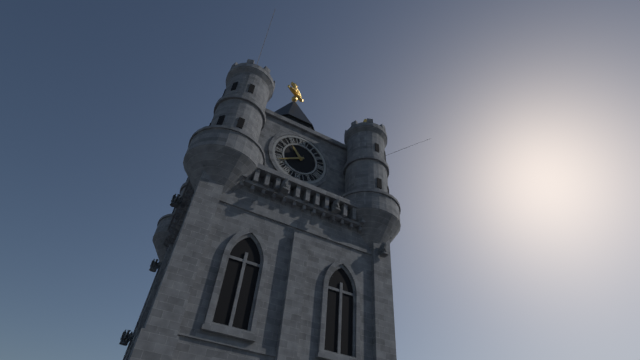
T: 10:40
